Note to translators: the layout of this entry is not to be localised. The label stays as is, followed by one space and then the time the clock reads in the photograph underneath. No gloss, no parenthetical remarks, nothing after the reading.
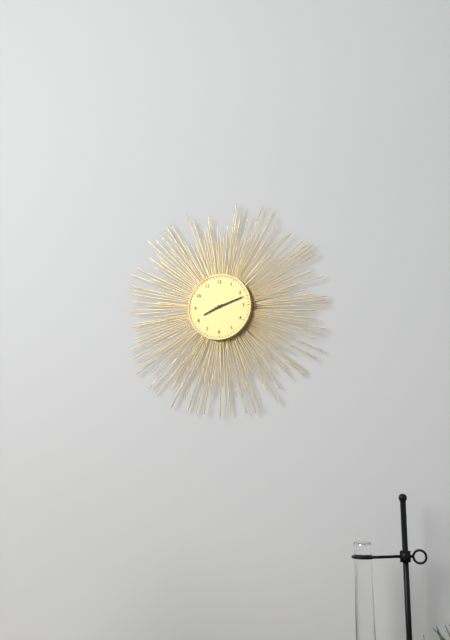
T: 8:12
